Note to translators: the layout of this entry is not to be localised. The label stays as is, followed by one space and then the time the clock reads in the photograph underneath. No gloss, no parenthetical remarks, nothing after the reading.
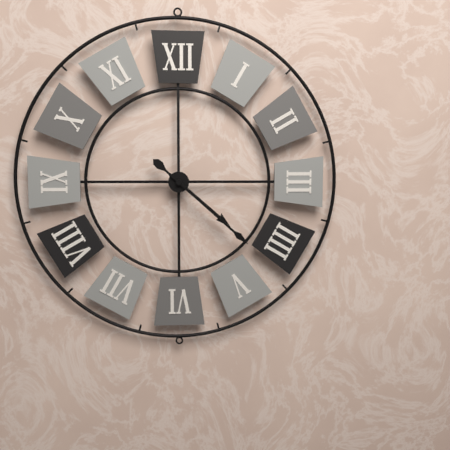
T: 4:22
